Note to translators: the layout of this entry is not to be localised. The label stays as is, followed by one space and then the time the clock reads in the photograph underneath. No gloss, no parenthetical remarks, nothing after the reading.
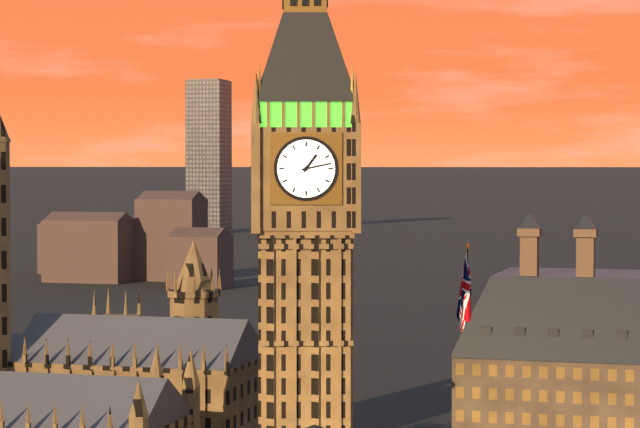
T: 1:13
